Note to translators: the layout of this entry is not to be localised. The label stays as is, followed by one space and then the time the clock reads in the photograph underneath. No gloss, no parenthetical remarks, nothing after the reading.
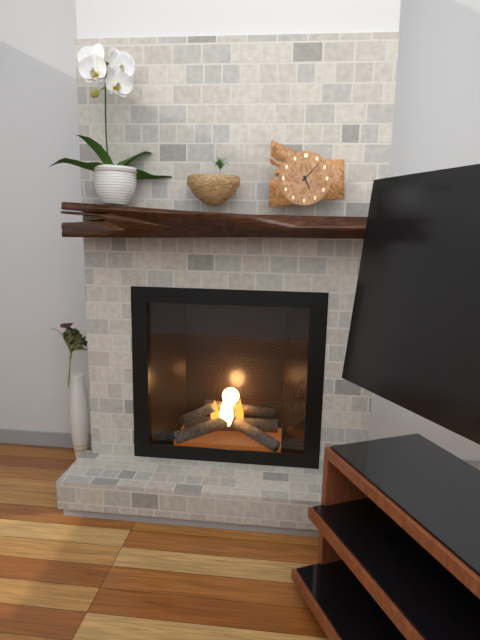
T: 5:07
